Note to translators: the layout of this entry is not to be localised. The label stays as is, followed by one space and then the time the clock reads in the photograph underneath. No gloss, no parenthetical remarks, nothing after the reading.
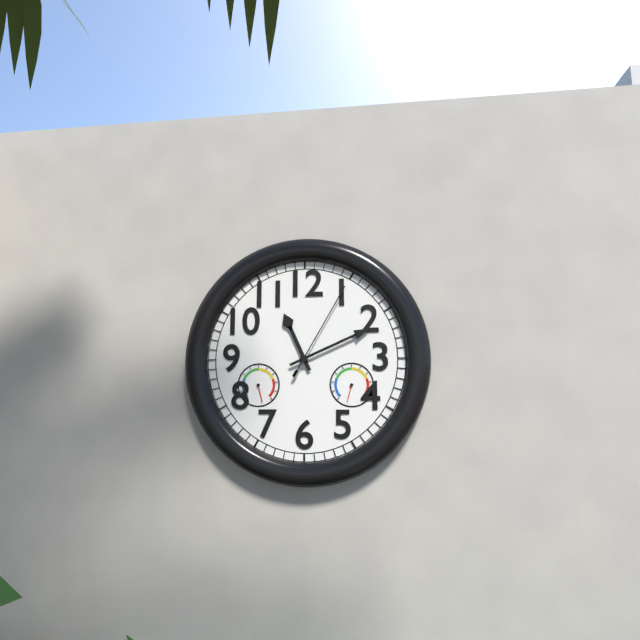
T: 11:11:05
